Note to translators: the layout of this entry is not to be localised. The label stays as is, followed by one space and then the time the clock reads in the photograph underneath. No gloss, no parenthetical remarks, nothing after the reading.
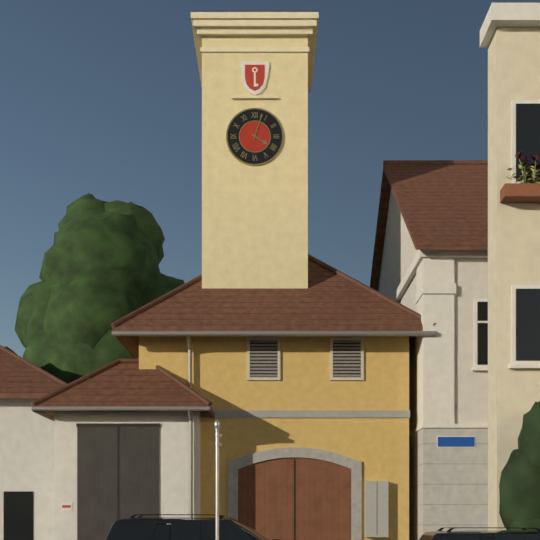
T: 4:03
